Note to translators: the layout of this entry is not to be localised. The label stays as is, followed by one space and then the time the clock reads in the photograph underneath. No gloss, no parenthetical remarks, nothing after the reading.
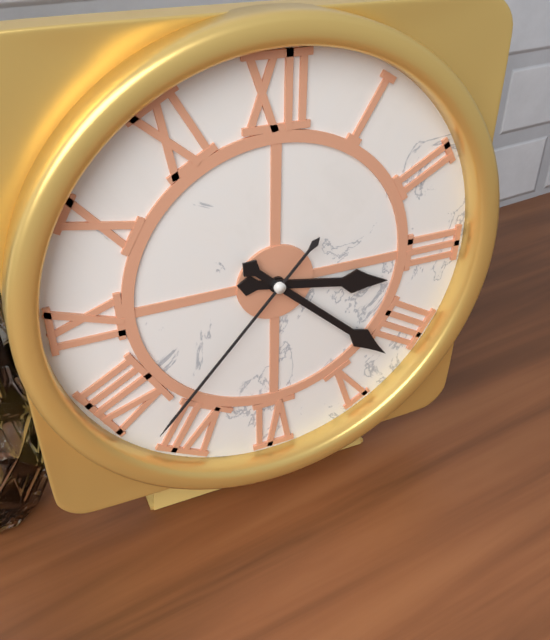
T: 3:22:37
